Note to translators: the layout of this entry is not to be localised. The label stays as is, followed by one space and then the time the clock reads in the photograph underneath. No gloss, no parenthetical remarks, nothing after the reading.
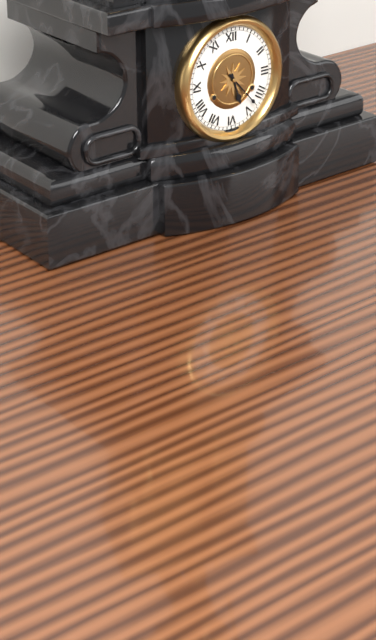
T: 5:23
